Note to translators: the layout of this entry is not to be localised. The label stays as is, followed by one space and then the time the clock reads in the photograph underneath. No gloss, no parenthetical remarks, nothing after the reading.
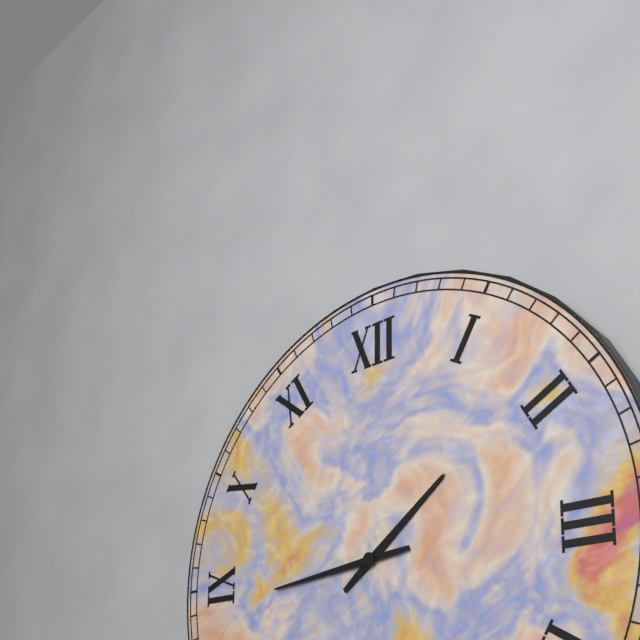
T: 1:44
